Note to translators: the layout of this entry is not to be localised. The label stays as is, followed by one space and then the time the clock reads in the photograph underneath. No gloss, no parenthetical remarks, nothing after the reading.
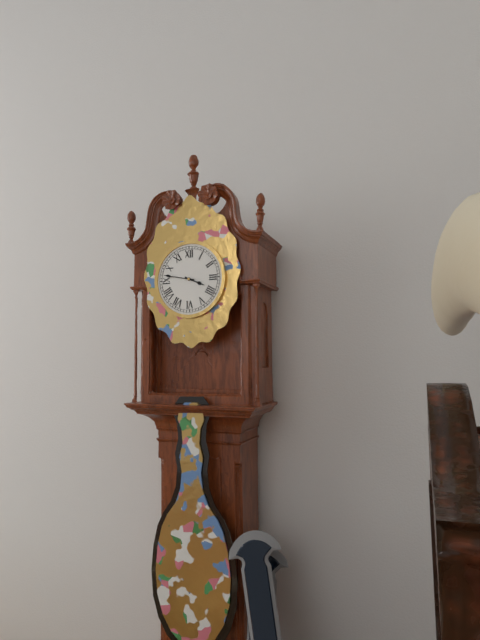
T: 3:47
